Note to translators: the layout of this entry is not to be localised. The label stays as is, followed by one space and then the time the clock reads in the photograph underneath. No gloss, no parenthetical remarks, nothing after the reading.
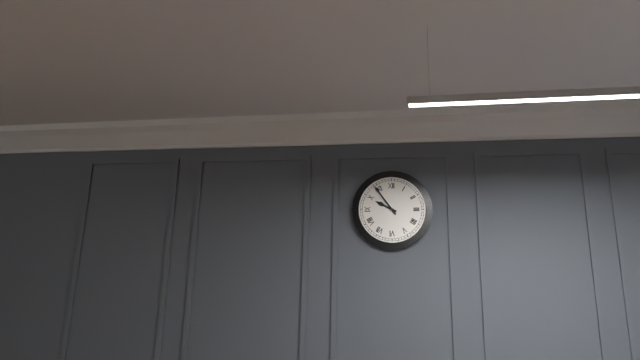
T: 9:54
